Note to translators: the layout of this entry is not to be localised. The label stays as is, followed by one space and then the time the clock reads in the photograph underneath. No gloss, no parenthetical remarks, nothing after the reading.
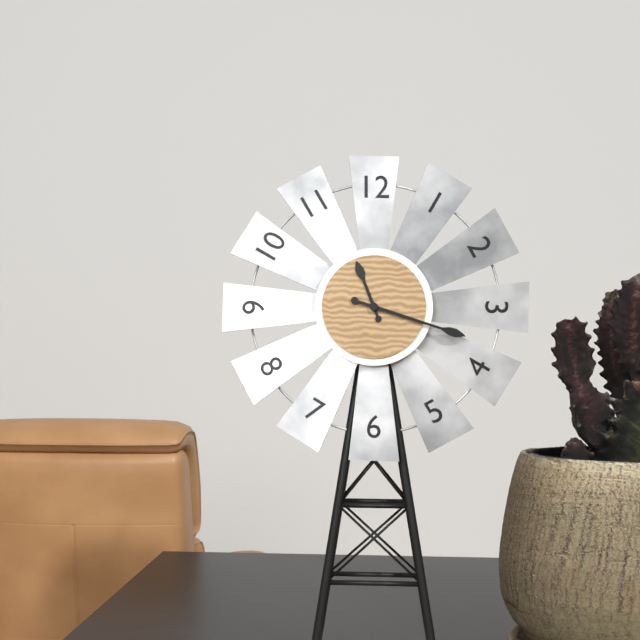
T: 11:18
